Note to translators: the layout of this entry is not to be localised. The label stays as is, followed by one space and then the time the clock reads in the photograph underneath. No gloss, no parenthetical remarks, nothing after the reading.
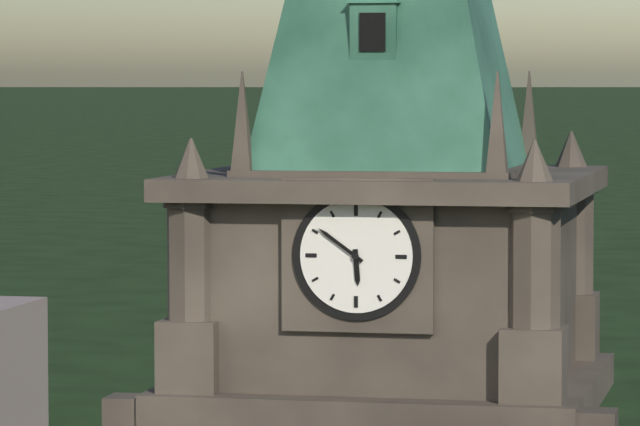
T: 5:51
